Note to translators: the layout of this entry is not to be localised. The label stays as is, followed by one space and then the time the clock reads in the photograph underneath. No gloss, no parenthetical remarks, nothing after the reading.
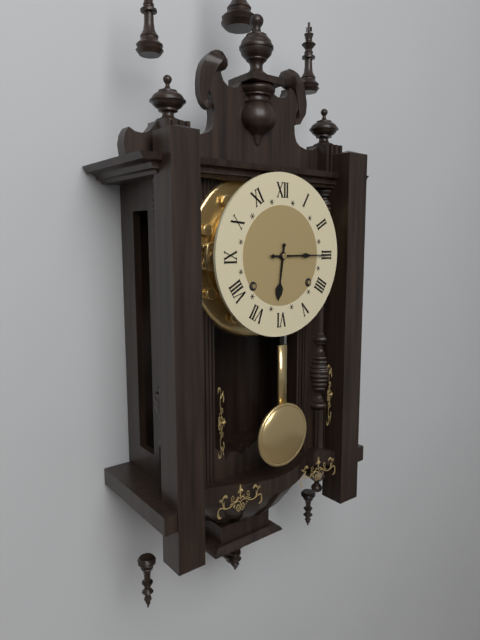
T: 6:15
